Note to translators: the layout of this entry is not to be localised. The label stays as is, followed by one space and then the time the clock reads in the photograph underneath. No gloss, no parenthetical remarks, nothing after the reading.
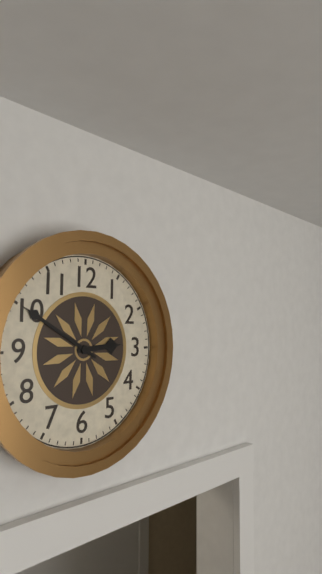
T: 2:50
